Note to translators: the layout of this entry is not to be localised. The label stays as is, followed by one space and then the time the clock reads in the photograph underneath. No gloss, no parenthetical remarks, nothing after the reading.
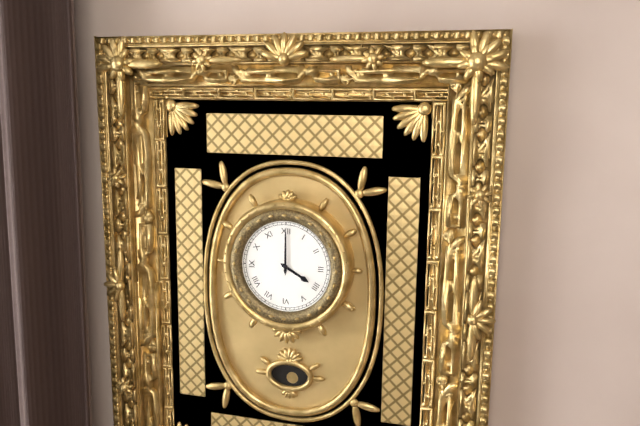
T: 4:00
